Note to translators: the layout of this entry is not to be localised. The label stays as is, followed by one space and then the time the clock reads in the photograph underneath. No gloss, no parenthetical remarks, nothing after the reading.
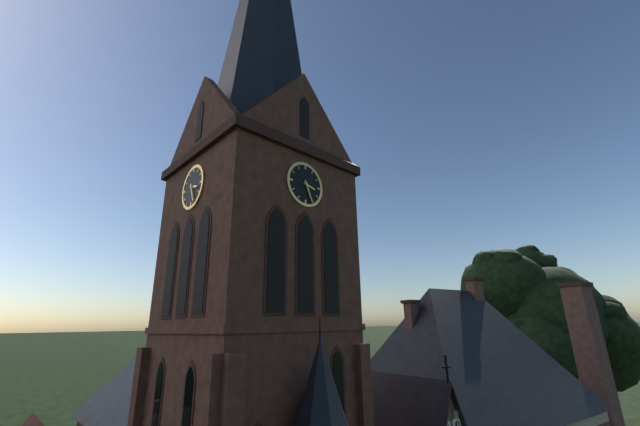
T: 3:26
